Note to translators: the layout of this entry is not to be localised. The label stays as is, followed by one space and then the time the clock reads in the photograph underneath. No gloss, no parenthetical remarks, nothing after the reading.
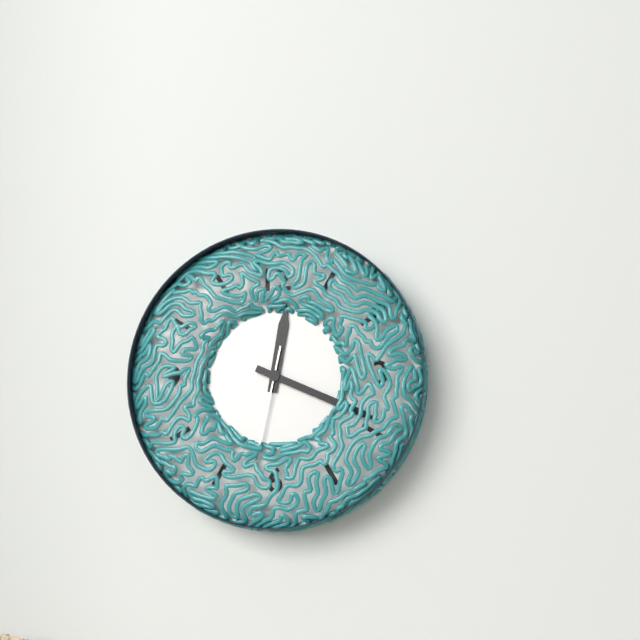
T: 12:19:32
